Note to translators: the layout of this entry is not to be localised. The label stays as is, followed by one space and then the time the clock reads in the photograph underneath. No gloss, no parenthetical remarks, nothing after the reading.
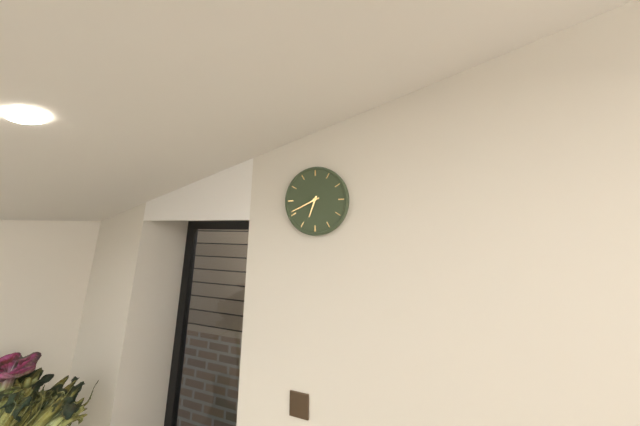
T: 6:41
